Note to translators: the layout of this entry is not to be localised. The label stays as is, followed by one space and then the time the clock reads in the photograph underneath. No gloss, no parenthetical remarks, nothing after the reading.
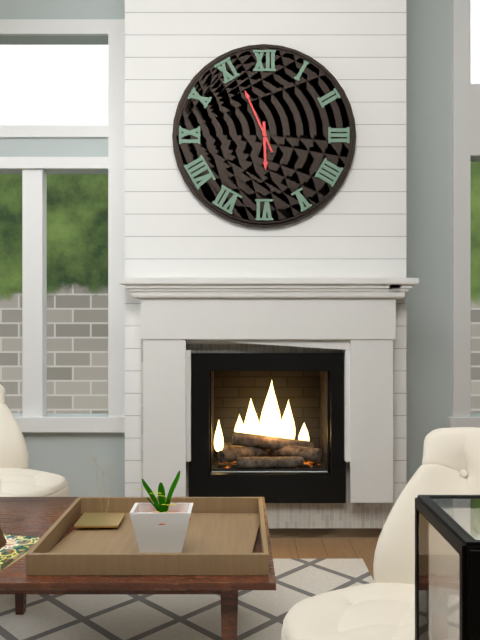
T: 5:56
